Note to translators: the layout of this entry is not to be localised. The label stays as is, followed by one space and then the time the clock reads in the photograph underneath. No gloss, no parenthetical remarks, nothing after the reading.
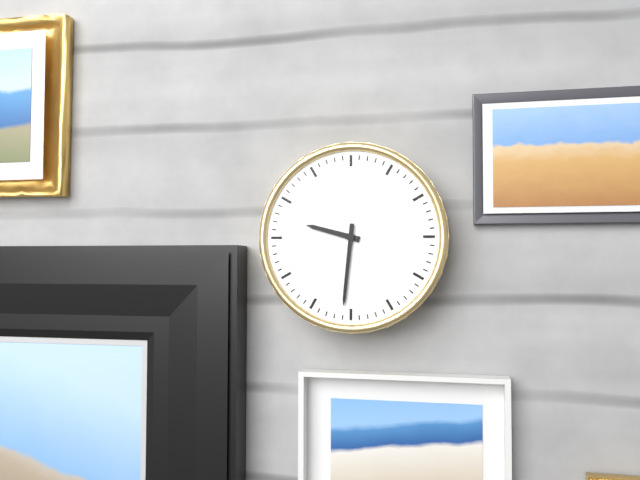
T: 9:31
